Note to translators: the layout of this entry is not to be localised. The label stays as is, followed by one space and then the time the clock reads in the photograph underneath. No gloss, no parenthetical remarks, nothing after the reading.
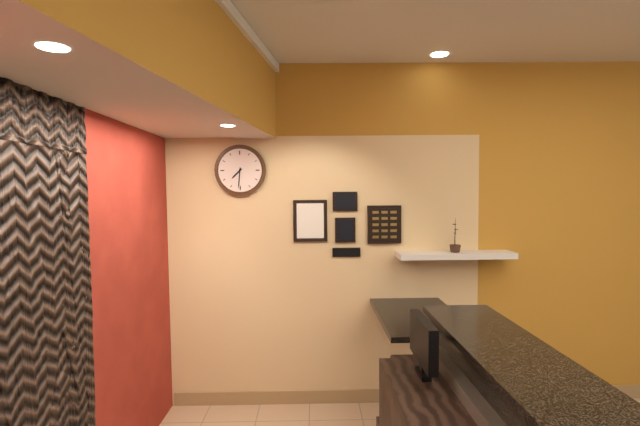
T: 7:31
